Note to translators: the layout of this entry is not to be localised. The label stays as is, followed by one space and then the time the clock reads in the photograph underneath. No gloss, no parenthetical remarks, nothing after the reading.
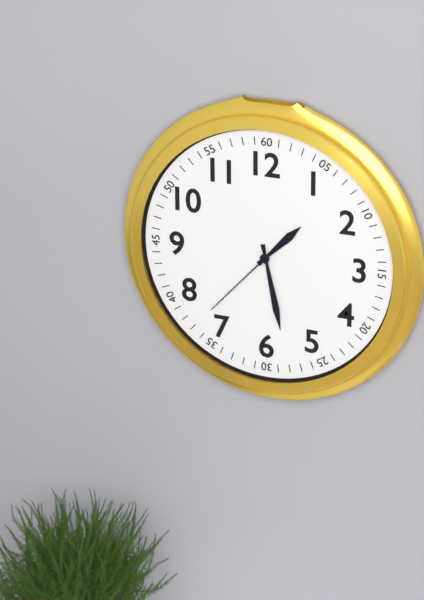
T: 1:28:37
